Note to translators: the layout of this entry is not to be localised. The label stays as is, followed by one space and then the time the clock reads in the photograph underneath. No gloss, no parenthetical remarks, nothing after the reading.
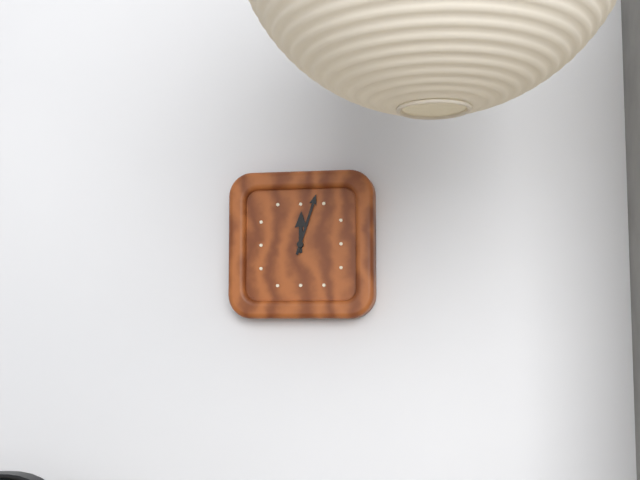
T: 12:03
